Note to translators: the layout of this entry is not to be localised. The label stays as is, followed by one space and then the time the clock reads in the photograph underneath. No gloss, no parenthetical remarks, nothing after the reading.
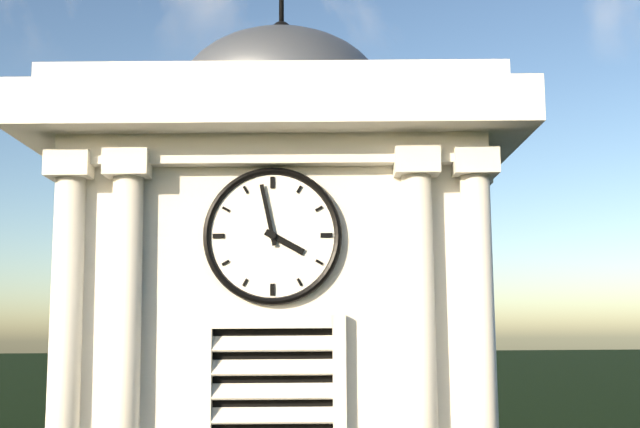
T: 3:58
